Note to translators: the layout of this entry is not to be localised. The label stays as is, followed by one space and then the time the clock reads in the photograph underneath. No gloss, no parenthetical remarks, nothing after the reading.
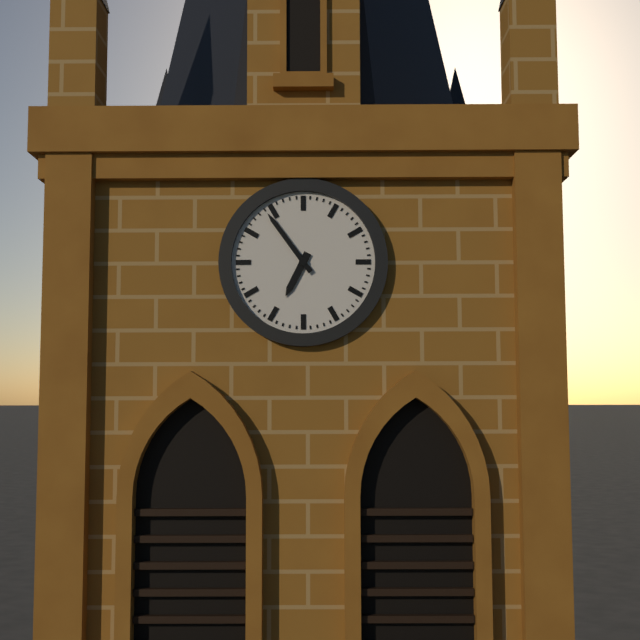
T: 6:54
